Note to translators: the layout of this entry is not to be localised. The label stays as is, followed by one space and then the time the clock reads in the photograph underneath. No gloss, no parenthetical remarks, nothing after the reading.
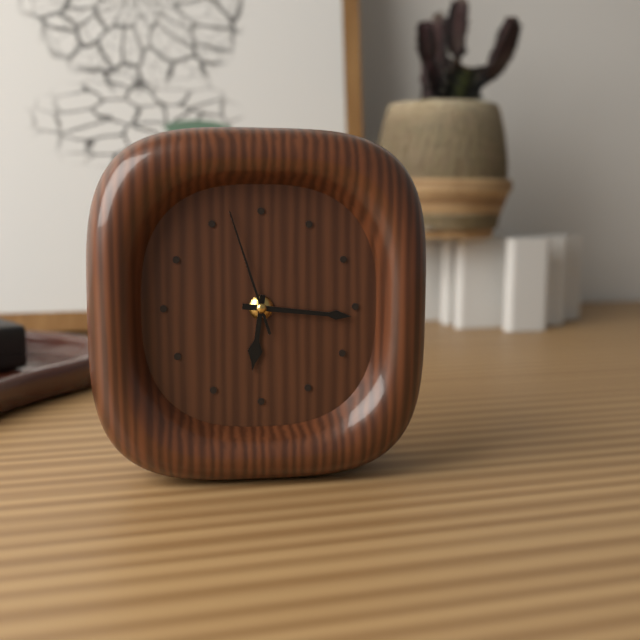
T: 6:16:57
